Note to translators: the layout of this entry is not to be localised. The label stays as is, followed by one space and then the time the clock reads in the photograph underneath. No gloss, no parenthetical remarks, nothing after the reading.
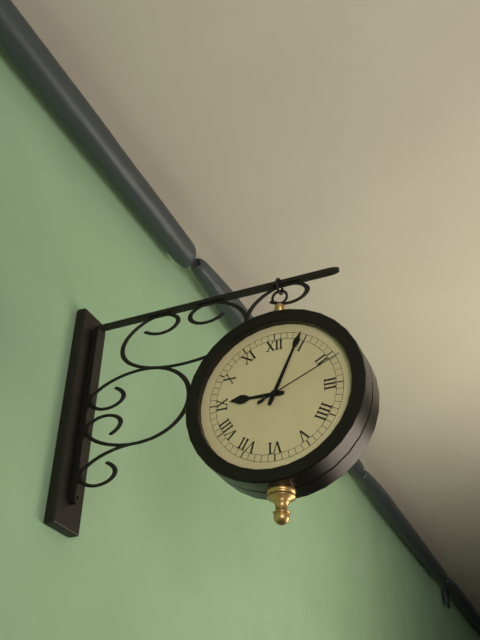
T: 9:04:11
